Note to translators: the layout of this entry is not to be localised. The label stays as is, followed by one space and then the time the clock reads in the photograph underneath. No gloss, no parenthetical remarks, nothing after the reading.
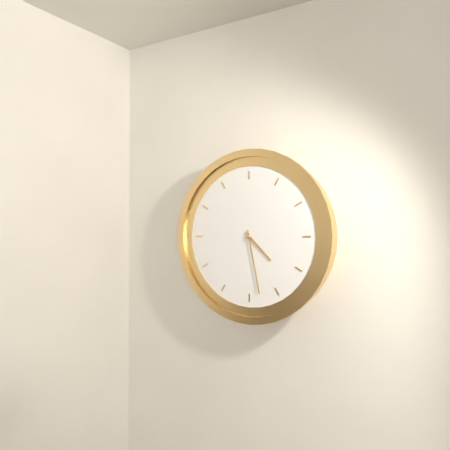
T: 4:28
